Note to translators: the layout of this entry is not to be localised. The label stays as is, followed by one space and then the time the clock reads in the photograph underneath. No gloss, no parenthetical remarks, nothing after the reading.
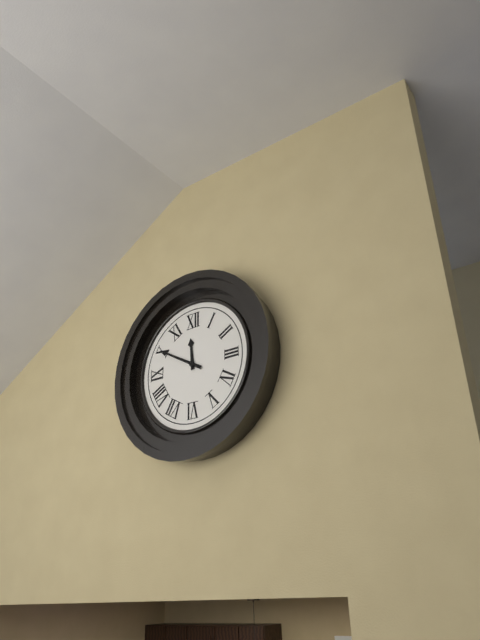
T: 11:50
